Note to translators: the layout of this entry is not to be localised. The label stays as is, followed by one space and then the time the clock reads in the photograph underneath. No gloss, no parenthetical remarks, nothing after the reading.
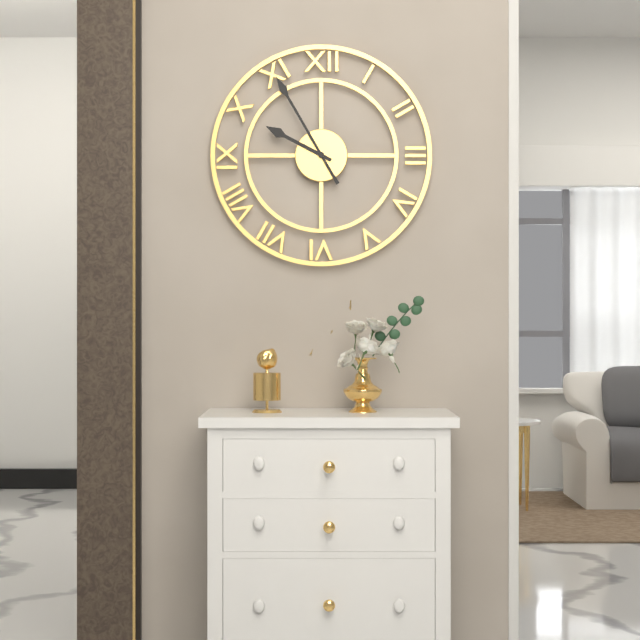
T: 9:55
